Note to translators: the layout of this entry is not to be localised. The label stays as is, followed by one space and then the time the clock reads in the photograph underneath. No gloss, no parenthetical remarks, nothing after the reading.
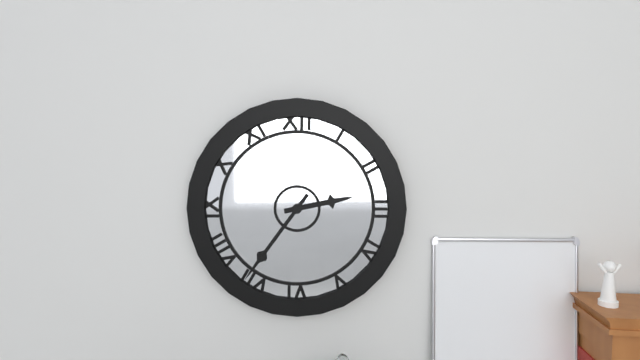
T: 2:36
